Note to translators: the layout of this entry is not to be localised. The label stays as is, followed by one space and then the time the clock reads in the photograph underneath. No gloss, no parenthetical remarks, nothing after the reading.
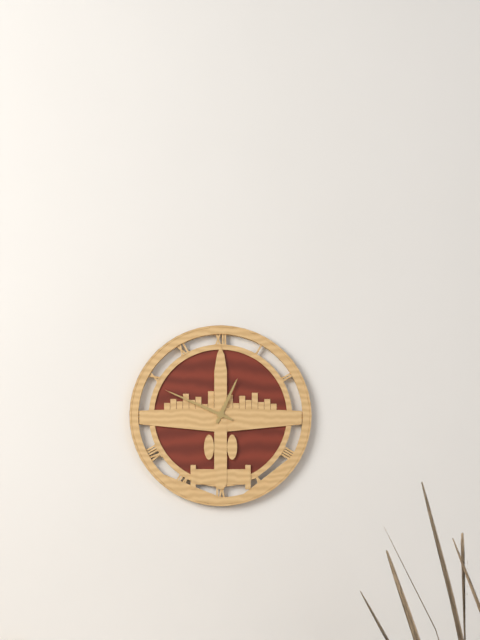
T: 12:49
